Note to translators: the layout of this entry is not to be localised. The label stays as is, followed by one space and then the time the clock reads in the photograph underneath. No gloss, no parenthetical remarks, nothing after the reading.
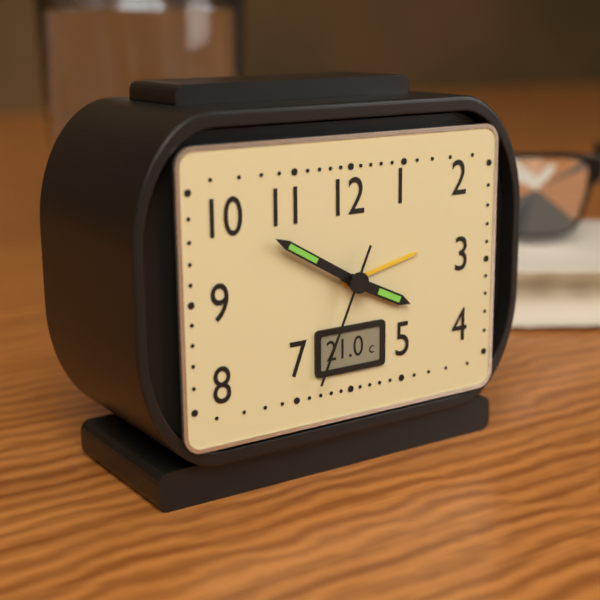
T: 3:50:34
